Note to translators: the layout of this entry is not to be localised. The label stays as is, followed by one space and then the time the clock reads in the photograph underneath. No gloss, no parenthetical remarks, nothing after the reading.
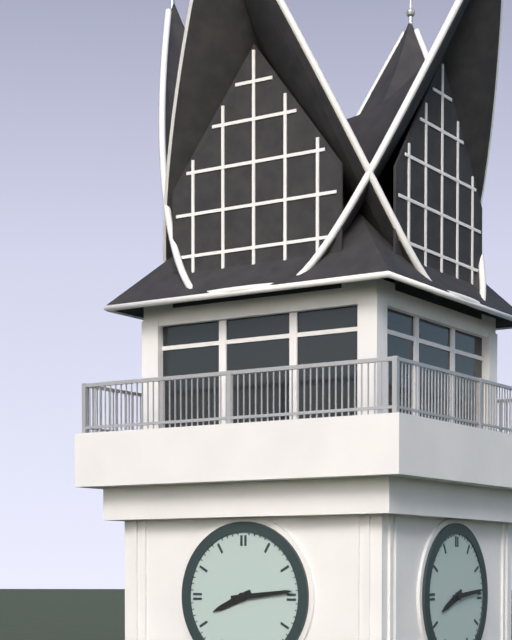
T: 8:14
